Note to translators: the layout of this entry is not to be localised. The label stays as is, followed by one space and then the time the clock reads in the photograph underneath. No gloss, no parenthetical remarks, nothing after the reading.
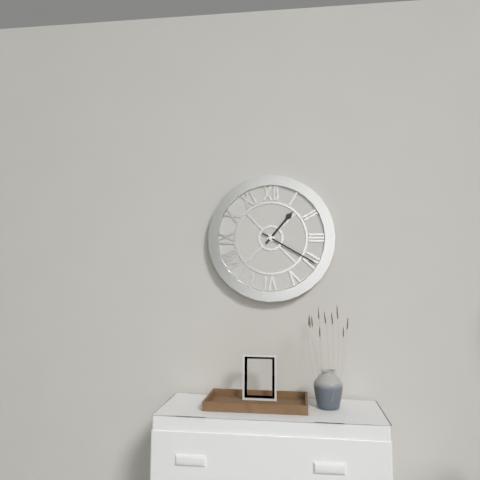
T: 1:20
